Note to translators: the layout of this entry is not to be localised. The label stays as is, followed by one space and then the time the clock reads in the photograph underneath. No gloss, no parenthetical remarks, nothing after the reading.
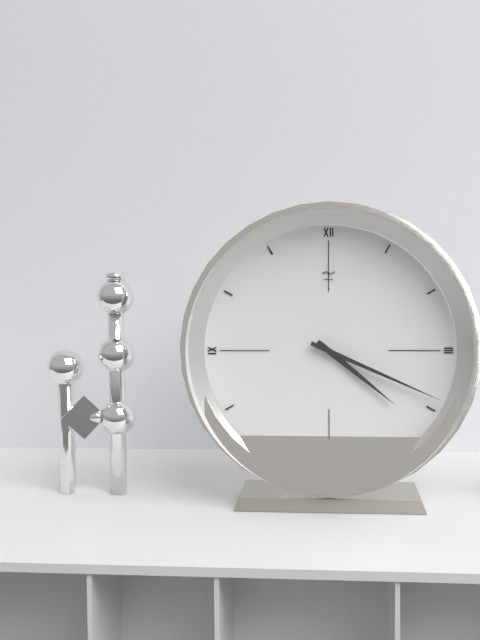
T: 4:19
